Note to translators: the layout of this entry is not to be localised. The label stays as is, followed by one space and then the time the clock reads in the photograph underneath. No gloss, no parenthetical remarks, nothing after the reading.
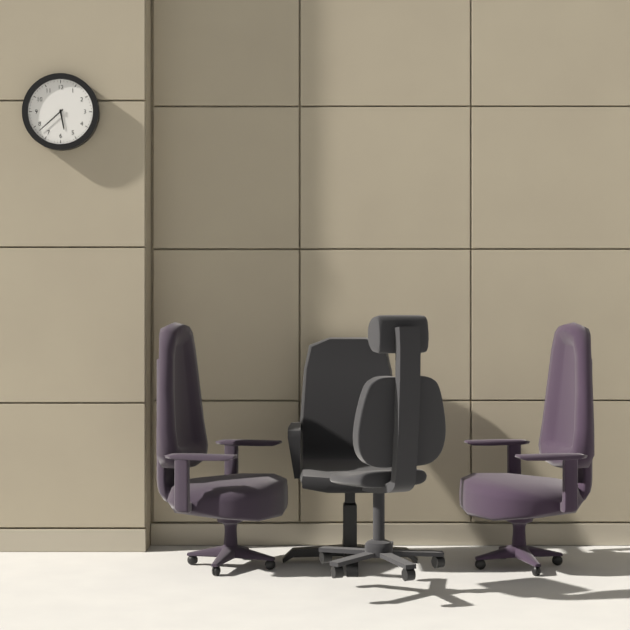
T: 5:38
